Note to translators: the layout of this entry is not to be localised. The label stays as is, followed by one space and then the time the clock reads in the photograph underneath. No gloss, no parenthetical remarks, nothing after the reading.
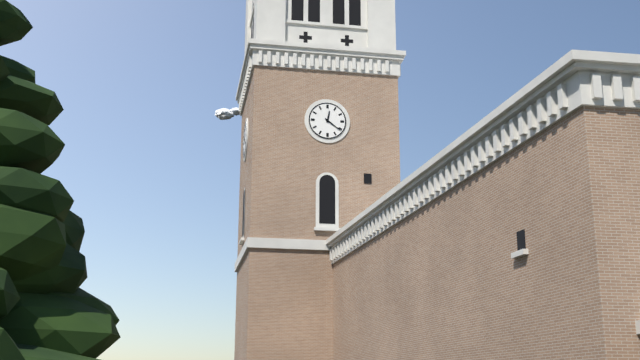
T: 12:21
